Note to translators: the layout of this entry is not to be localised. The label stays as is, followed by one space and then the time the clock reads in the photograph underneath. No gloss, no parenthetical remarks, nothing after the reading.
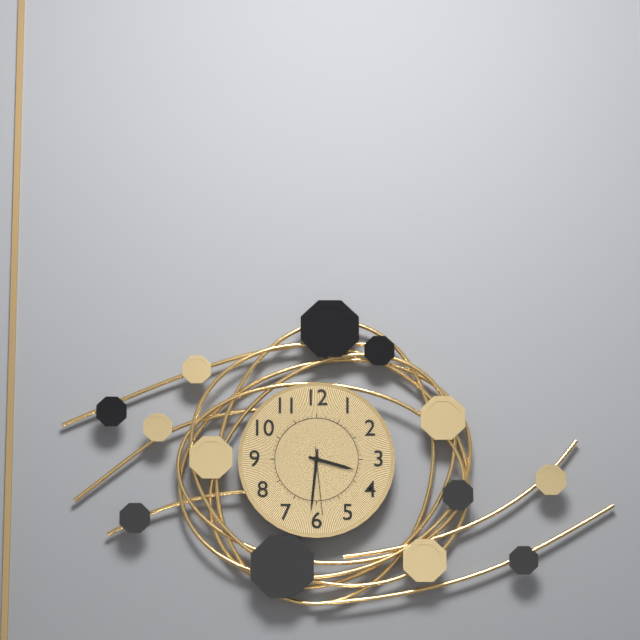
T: 3:31:29
